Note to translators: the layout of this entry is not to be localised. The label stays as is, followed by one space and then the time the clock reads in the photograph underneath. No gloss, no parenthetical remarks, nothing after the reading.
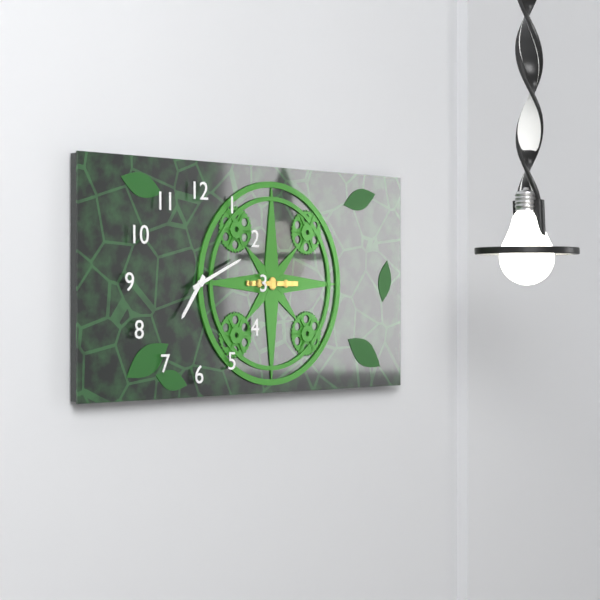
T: 7:11
